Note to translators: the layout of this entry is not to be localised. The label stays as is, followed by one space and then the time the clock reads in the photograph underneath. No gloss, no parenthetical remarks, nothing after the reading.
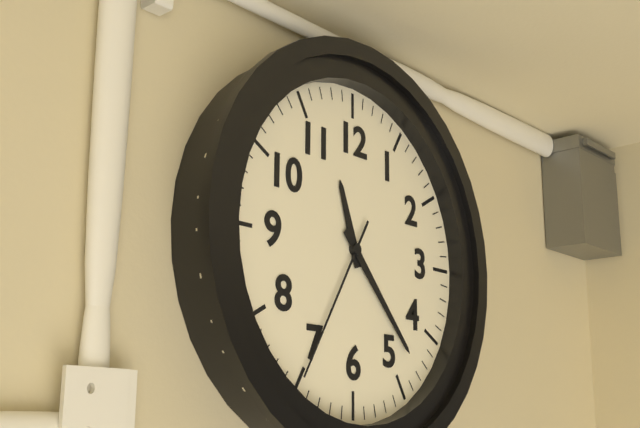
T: 11:23:35
